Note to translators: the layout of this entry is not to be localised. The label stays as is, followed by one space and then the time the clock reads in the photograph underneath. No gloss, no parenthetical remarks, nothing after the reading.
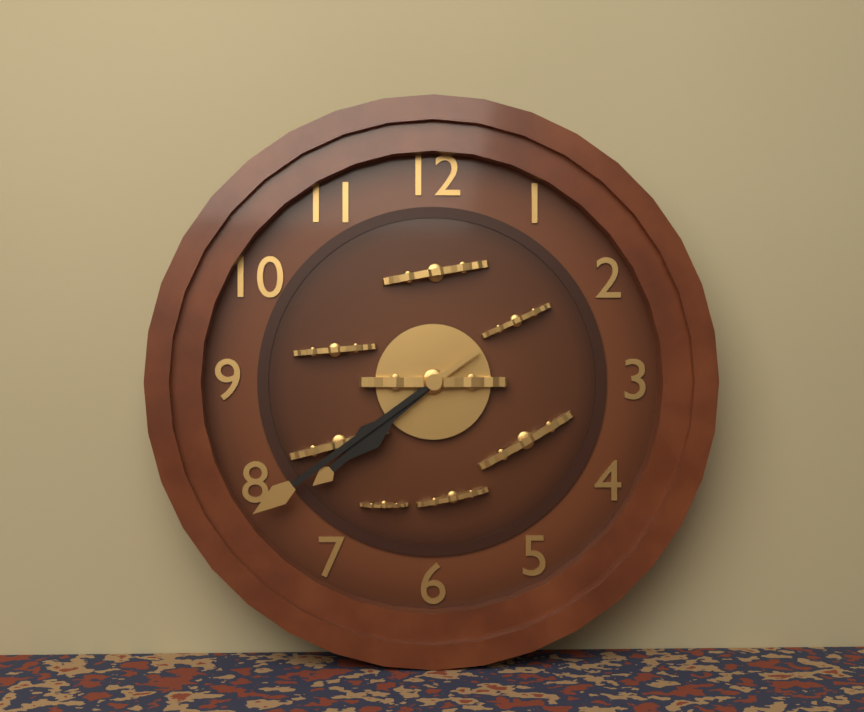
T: 7:39
